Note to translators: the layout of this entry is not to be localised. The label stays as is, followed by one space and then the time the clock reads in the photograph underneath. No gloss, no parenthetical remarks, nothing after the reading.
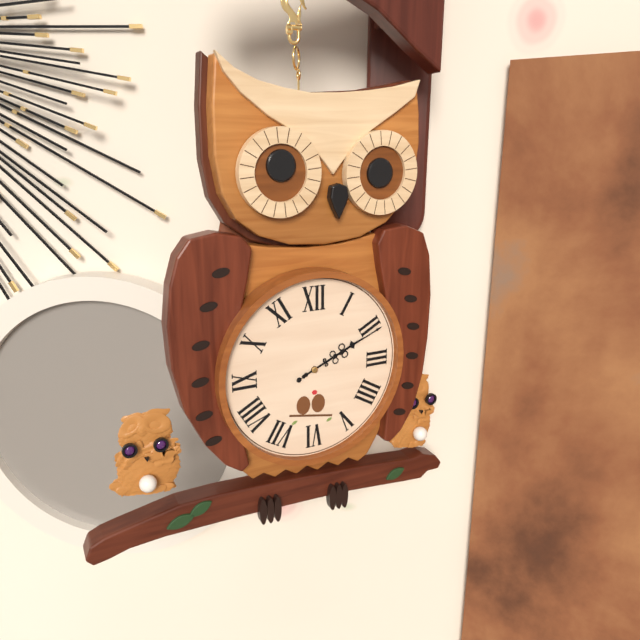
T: 2:11:11
